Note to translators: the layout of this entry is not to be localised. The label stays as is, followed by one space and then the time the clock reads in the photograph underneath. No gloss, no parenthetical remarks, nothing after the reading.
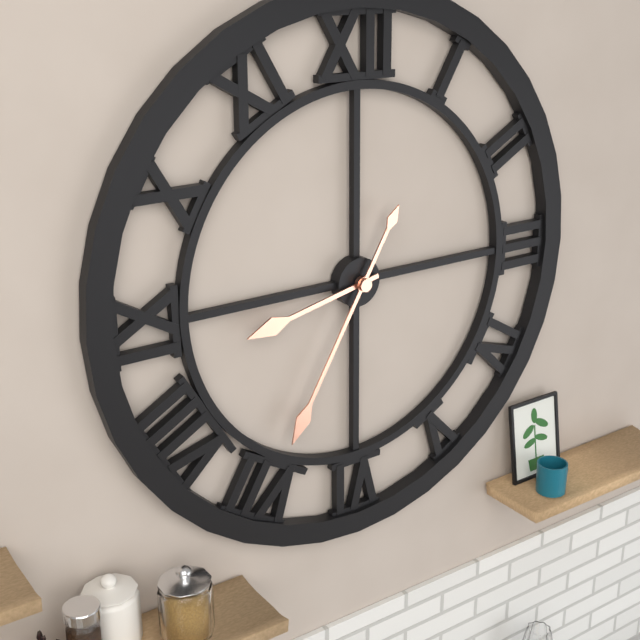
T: 8:35
